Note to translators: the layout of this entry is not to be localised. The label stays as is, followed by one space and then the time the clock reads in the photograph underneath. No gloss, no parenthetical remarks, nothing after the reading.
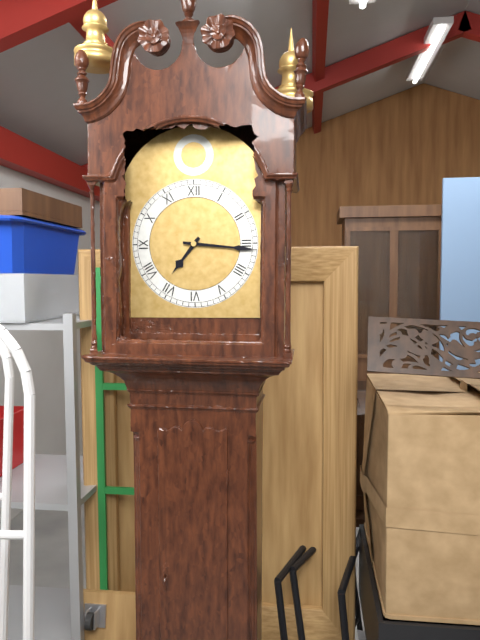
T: 7:16
